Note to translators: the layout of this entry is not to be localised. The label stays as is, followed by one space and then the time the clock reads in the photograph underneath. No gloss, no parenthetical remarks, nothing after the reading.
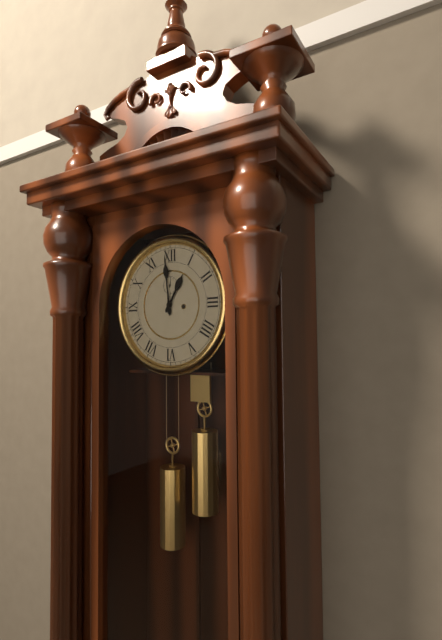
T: 12:59
